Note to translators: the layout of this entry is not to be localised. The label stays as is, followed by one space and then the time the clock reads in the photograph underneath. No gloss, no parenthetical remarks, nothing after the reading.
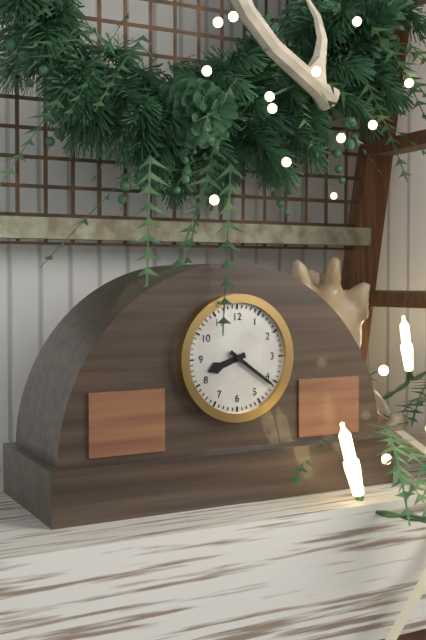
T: 8:21
